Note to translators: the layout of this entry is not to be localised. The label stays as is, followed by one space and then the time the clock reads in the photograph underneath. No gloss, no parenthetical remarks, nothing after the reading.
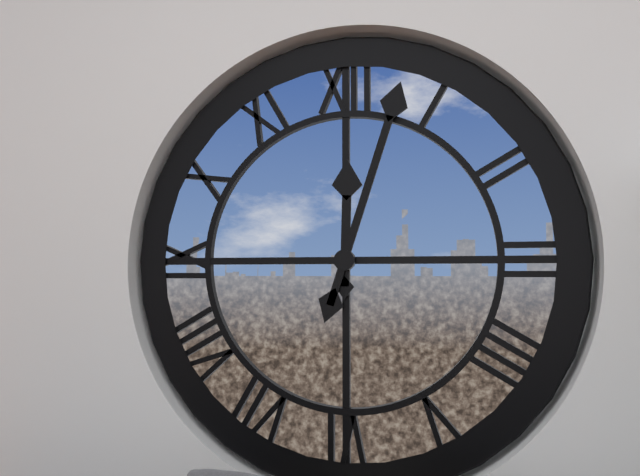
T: 12:03
